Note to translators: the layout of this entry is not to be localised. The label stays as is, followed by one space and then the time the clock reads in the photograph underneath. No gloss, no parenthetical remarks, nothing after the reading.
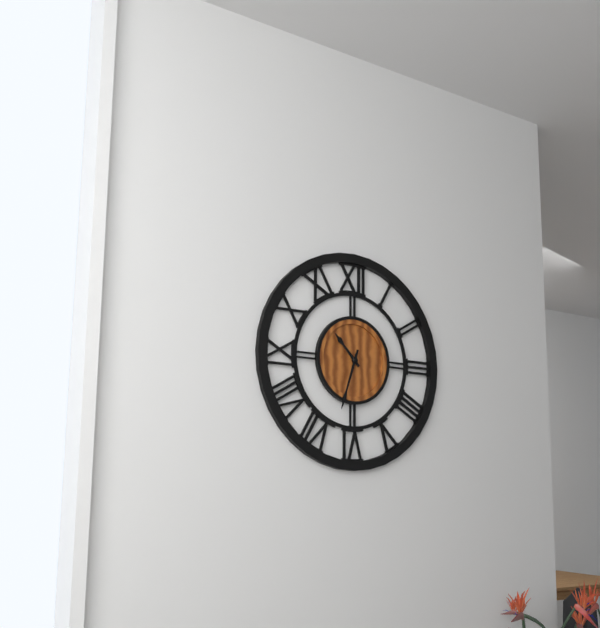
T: 10:33
